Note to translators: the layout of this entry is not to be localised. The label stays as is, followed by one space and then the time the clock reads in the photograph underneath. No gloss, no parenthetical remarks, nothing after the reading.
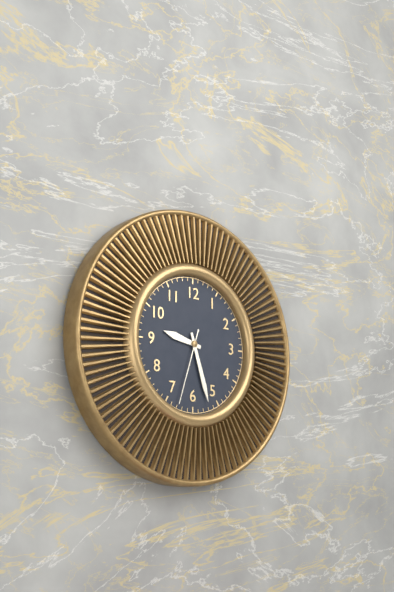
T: 9:27:33
